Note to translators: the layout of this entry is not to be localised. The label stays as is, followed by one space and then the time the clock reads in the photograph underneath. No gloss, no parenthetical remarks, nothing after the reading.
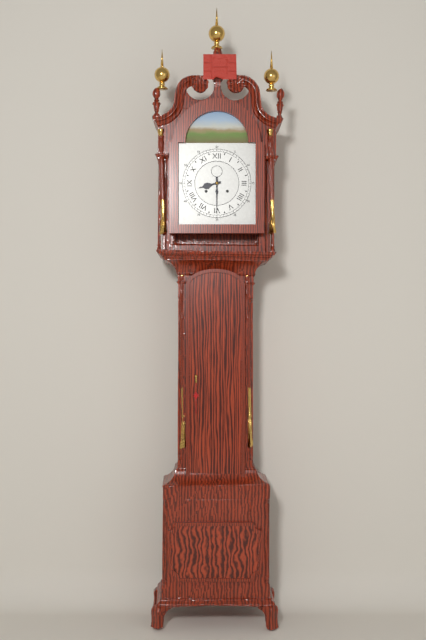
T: 8:30
